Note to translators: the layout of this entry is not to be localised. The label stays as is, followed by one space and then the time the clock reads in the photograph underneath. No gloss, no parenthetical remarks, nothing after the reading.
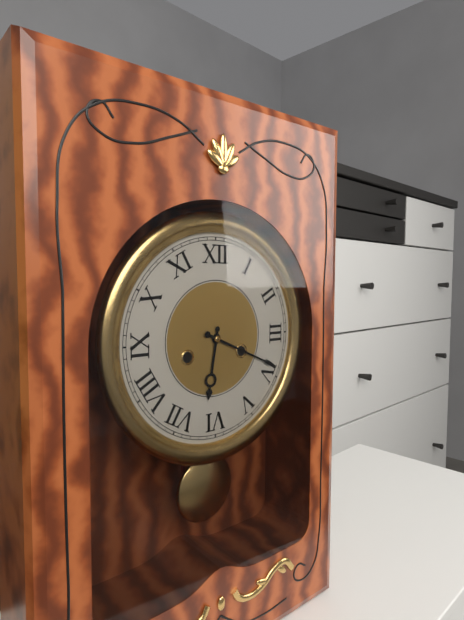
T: 6:19
